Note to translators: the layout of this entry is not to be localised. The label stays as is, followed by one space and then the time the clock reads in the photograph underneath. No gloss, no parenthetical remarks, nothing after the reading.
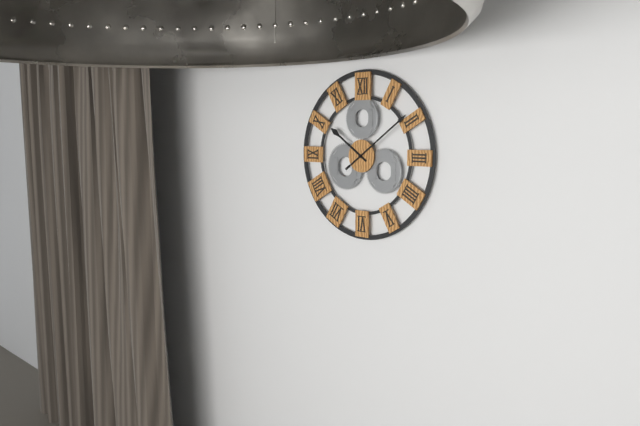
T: 10:09
